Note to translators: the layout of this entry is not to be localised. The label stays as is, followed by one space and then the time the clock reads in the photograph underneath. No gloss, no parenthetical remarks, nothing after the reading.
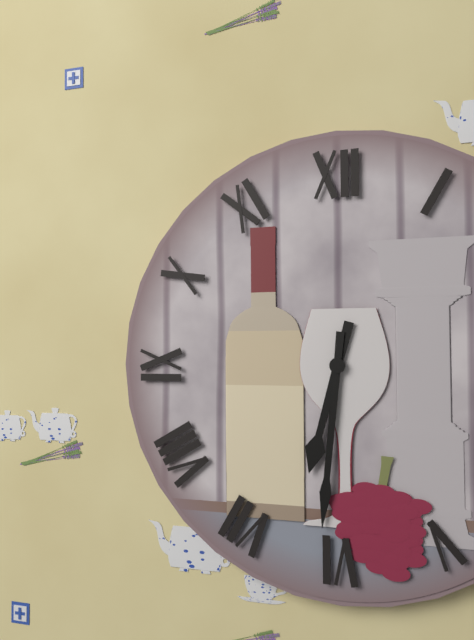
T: 6:31
